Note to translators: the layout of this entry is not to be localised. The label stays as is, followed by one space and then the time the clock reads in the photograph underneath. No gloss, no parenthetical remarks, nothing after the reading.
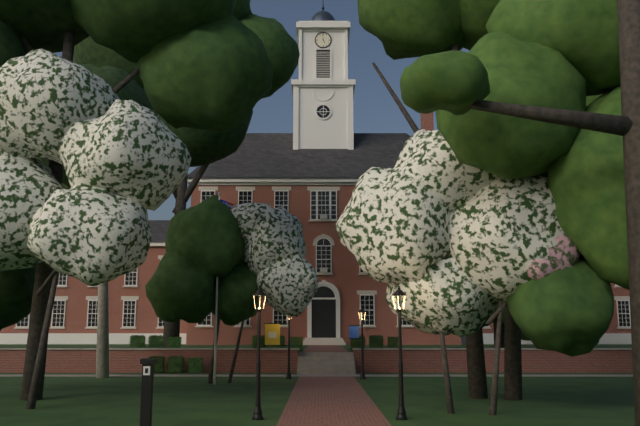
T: 4:59
